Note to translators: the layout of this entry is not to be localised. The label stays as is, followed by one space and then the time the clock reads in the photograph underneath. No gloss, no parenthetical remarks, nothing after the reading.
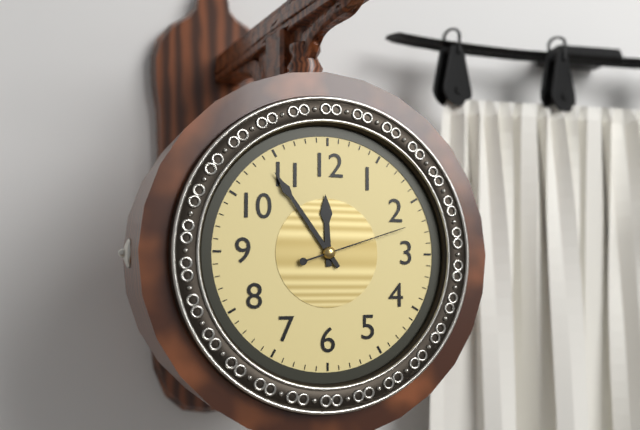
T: 11:54:12
